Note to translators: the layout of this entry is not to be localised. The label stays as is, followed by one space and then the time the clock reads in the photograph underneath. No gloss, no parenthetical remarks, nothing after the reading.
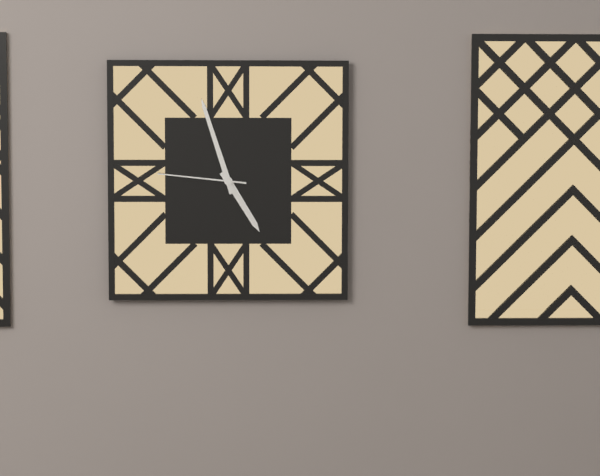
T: 4:57:46
